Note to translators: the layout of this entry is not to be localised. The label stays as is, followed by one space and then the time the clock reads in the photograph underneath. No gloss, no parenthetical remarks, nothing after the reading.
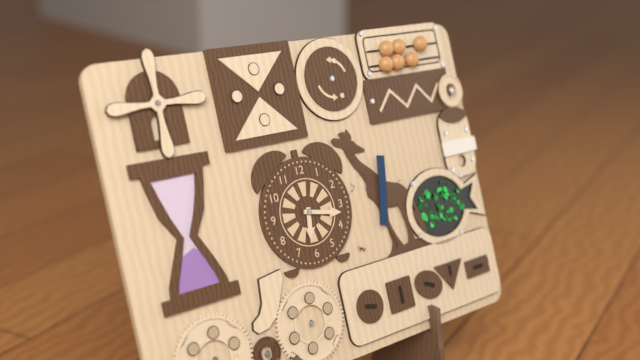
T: 6:17
